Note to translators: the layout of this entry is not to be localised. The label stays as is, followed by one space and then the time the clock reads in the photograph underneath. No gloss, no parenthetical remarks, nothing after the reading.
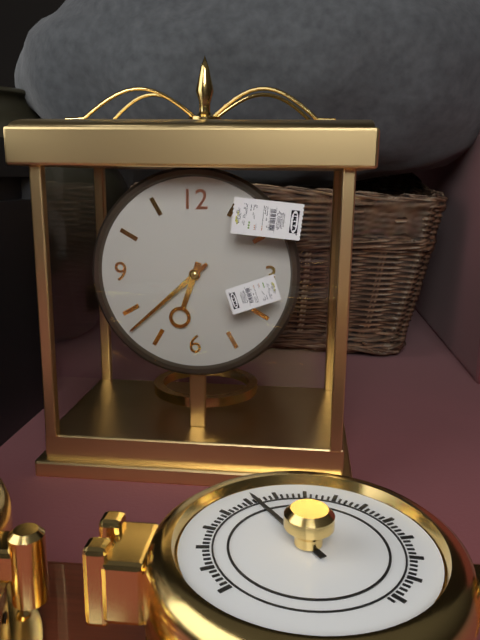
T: 6:38
